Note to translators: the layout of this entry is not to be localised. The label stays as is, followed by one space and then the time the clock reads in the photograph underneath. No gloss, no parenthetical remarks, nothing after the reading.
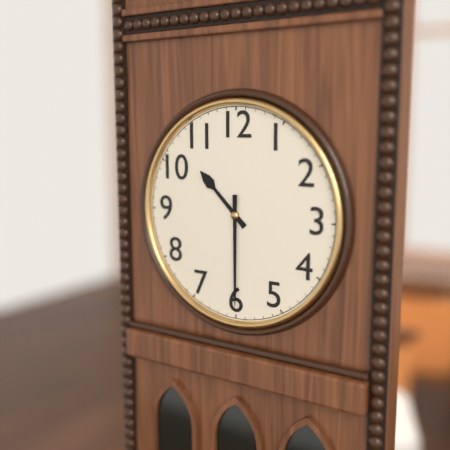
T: 10:30
